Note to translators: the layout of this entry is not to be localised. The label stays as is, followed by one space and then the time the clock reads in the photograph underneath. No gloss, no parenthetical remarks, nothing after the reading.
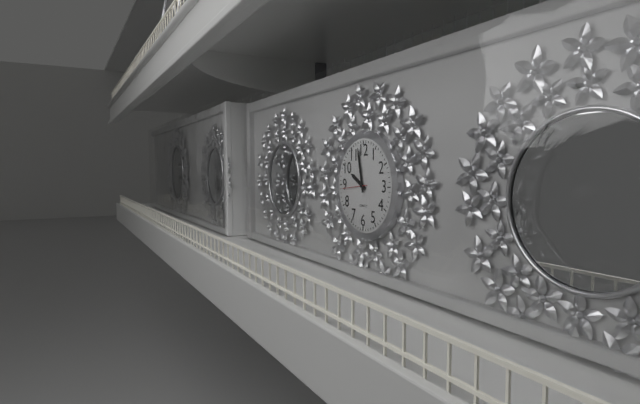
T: 9:58
